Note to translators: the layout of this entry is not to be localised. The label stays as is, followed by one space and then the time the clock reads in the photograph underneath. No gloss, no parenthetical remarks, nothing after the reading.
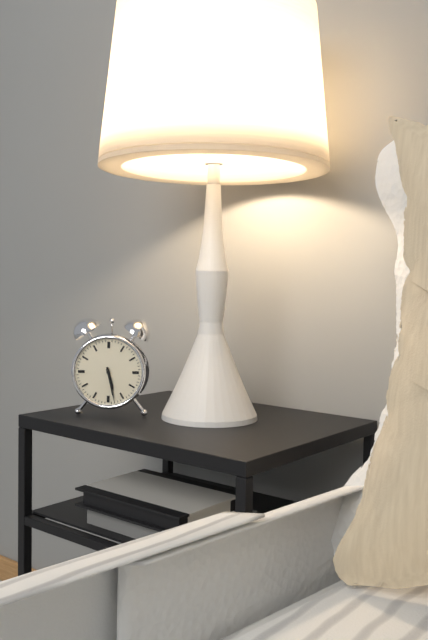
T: 5:28
